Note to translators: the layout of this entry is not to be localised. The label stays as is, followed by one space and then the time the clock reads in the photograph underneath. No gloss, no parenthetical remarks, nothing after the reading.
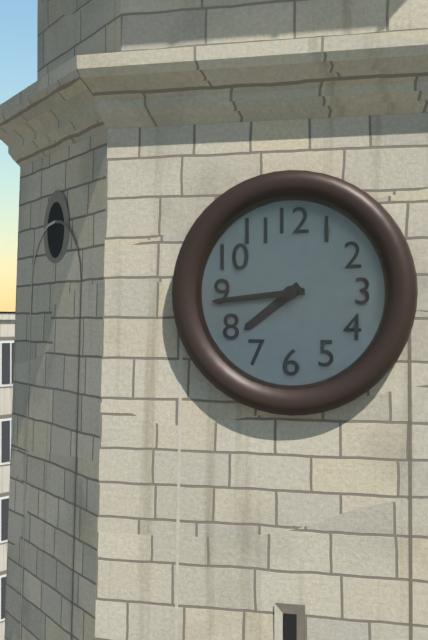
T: 7:44
